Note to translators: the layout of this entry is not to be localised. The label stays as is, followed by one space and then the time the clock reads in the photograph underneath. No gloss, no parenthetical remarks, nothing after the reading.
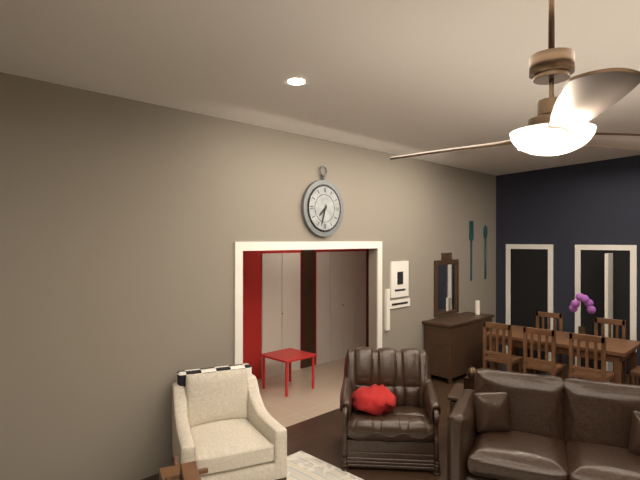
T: 7:33
